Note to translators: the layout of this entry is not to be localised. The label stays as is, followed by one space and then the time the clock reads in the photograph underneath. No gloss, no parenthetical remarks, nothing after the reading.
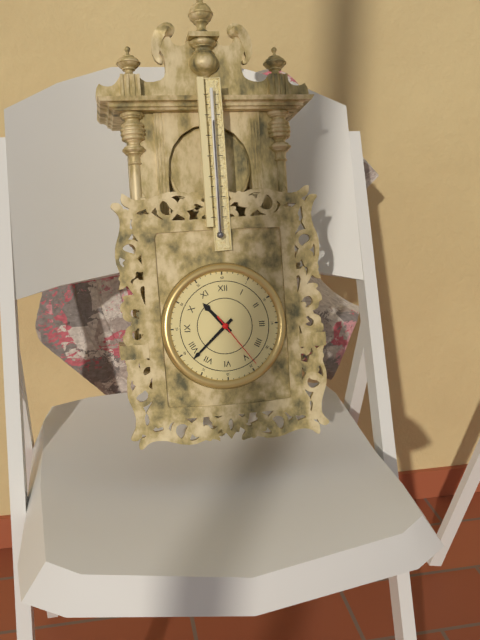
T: 10:38:24
